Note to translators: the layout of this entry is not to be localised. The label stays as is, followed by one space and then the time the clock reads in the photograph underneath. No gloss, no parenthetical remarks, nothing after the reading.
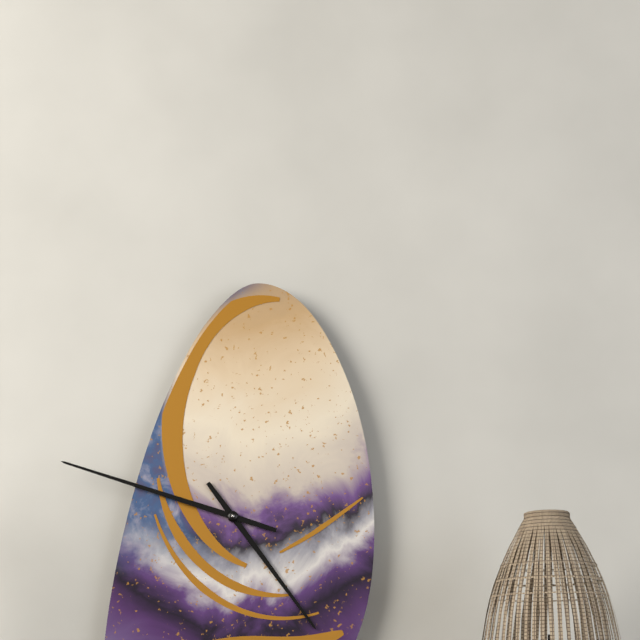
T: 4:48
